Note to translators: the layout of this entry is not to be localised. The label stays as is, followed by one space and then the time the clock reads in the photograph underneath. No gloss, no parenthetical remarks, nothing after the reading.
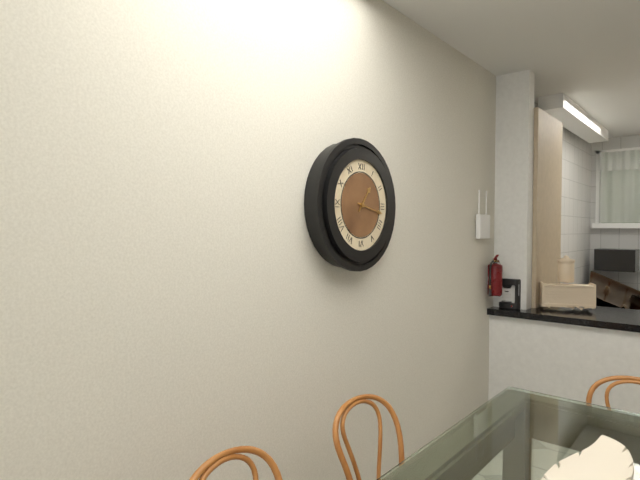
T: 1:17
